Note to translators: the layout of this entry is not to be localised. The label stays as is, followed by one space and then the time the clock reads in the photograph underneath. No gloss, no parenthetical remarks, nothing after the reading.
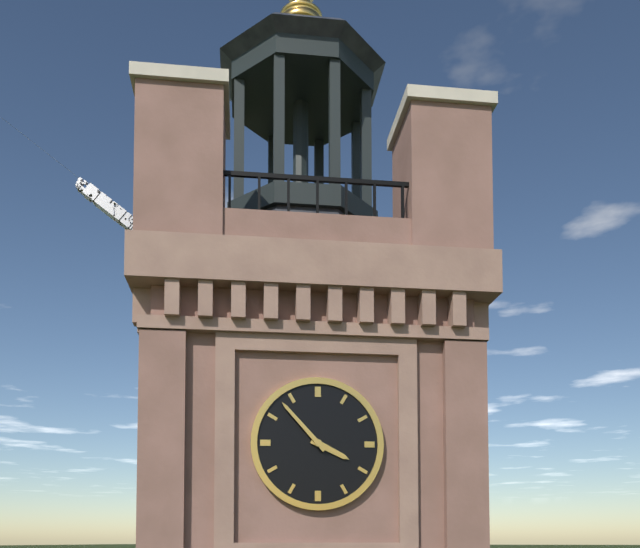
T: 3:53
